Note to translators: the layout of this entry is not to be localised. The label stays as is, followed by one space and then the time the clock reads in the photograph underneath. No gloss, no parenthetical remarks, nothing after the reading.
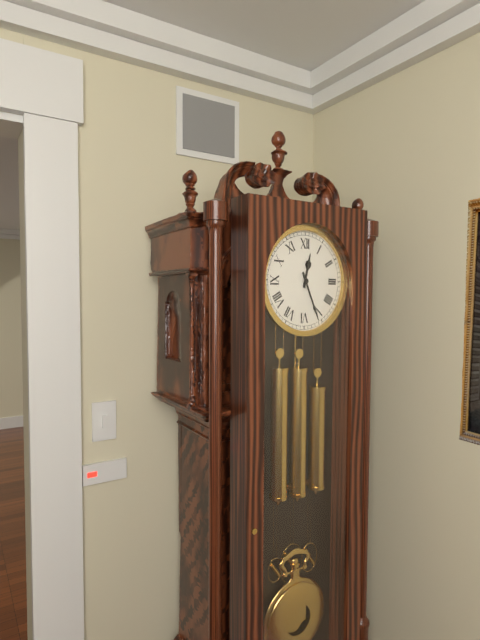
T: 12:26
